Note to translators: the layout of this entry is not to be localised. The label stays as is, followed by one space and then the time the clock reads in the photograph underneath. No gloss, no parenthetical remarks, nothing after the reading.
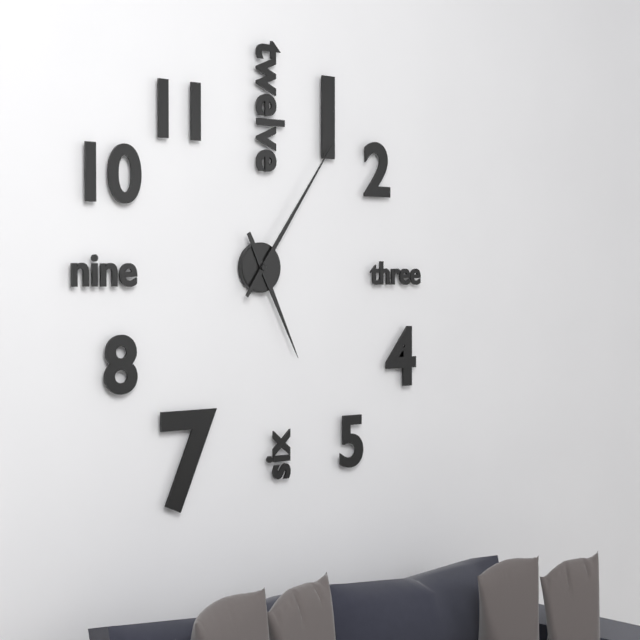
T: 5:06
